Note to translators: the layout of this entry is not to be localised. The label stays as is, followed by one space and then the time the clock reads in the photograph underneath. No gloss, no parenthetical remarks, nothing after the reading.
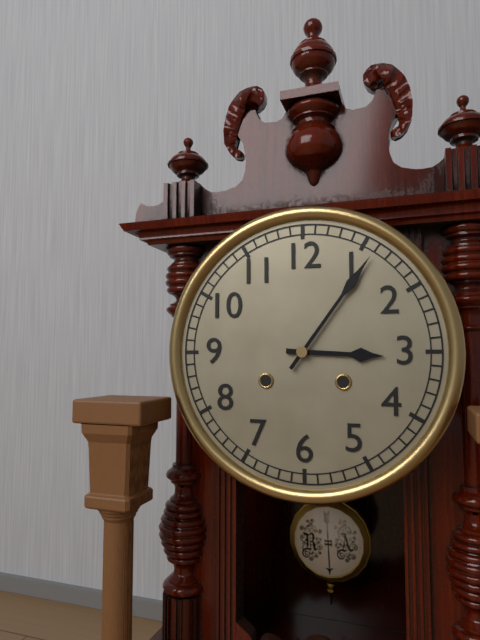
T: 3:06
